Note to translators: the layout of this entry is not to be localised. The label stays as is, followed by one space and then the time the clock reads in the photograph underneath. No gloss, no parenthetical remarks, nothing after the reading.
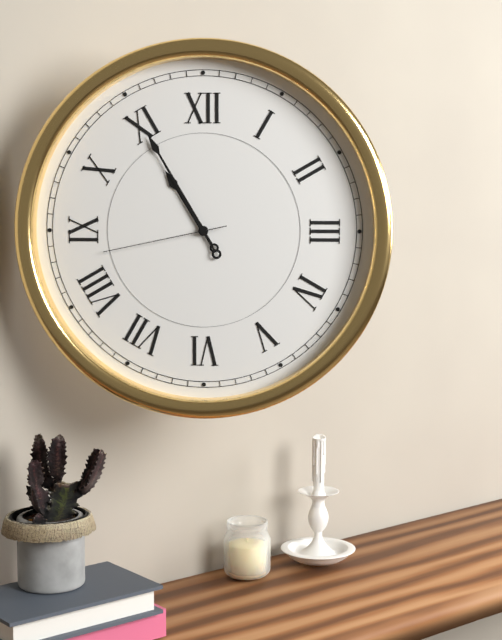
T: 10:55:43
